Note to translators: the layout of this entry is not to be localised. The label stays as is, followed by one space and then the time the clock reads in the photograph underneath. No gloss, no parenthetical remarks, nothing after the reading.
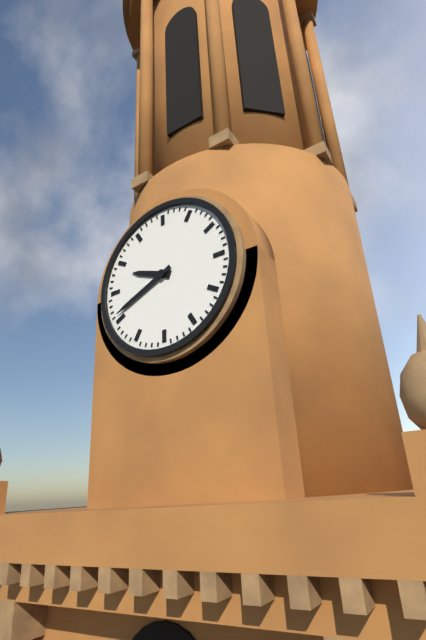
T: 9:41
